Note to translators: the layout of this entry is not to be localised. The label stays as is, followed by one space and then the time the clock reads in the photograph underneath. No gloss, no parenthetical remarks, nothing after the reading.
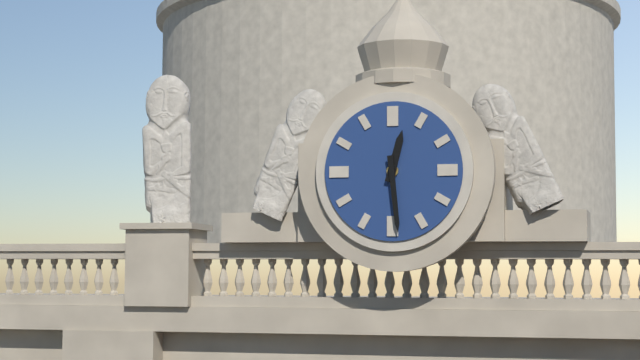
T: 12:29
